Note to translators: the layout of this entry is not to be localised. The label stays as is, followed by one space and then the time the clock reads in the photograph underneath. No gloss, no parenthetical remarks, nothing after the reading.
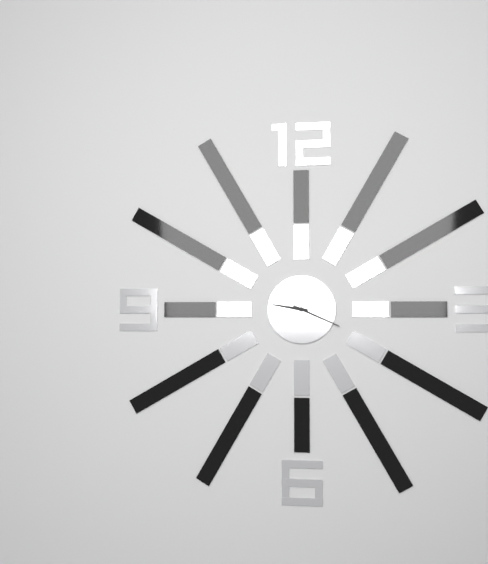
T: 9:19
